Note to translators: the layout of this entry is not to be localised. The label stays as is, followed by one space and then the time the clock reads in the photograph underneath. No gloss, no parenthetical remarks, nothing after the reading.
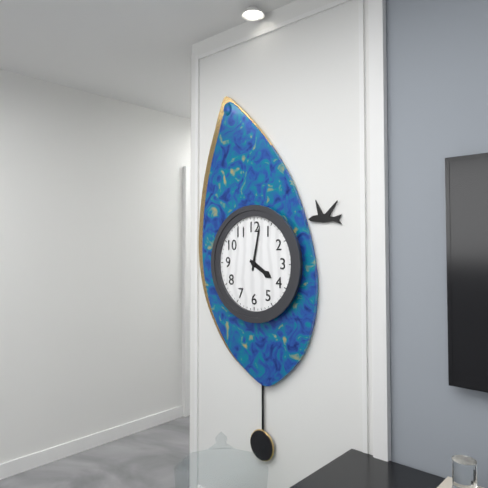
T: 4:02
